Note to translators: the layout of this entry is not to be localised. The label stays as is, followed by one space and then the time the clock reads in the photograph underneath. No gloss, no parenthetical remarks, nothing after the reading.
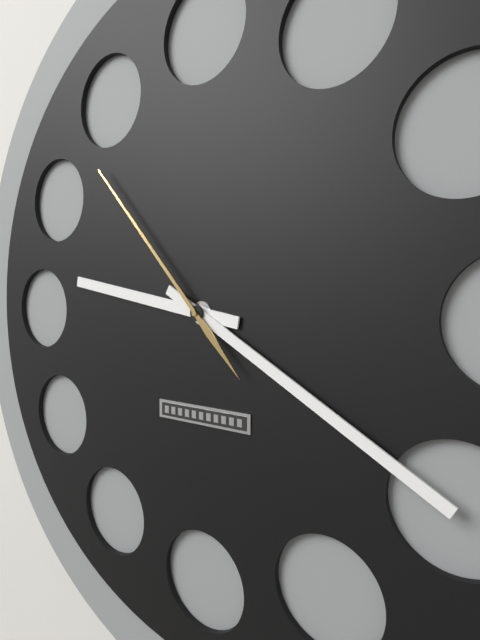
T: 9:20:53
